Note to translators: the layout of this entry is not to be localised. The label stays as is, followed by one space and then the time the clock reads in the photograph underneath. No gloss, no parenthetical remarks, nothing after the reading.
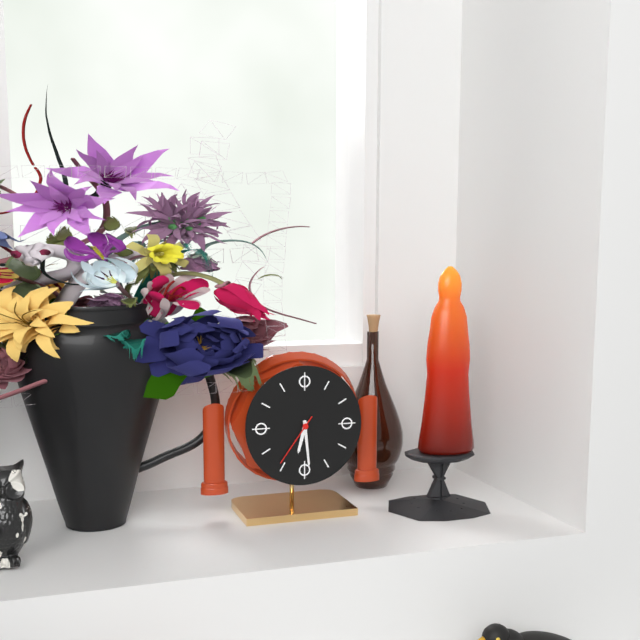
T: 6:29:36
